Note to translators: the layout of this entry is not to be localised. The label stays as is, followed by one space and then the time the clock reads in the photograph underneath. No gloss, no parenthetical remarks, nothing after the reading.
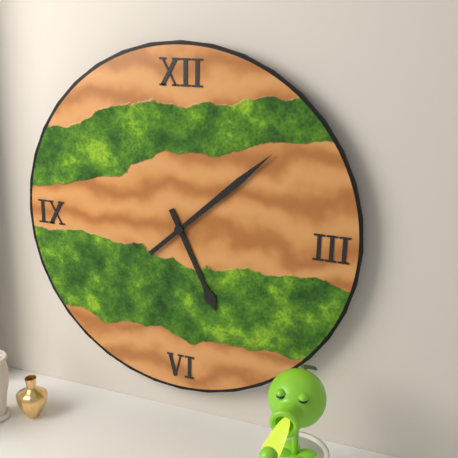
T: 5:08
